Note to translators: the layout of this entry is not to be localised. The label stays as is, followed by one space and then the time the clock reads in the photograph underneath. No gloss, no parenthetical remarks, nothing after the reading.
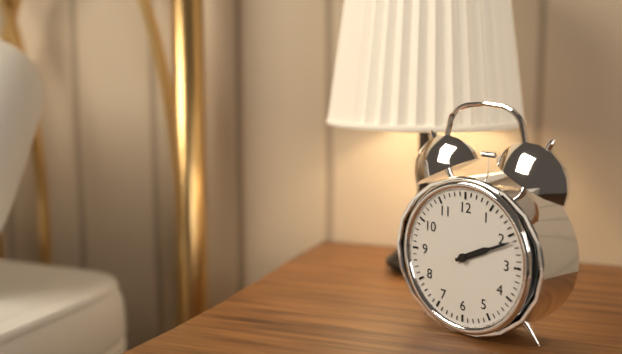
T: 2:11
